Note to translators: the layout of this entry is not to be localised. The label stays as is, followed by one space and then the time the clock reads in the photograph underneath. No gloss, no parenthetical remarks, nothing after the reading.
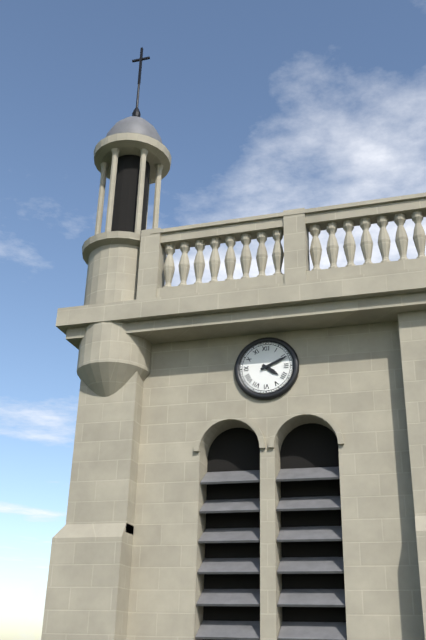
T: 4:11
